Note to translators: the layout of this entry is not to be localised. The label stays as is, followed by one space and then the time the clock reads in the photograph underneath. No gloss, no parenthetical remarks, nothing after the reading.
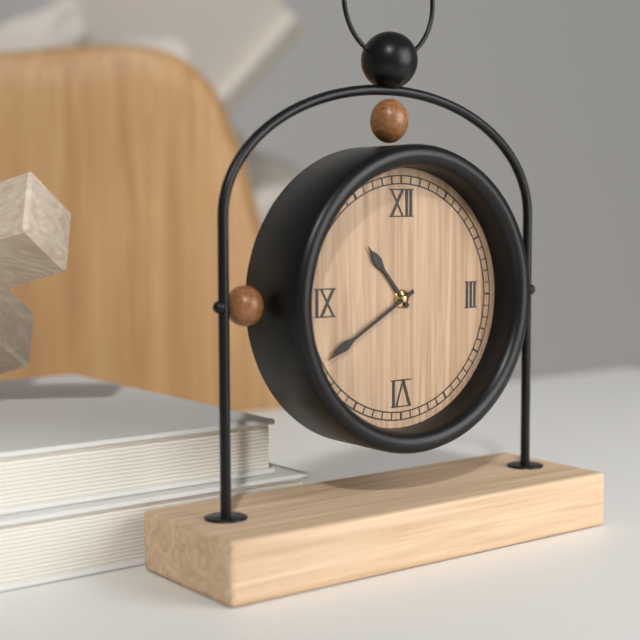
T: 10:40
